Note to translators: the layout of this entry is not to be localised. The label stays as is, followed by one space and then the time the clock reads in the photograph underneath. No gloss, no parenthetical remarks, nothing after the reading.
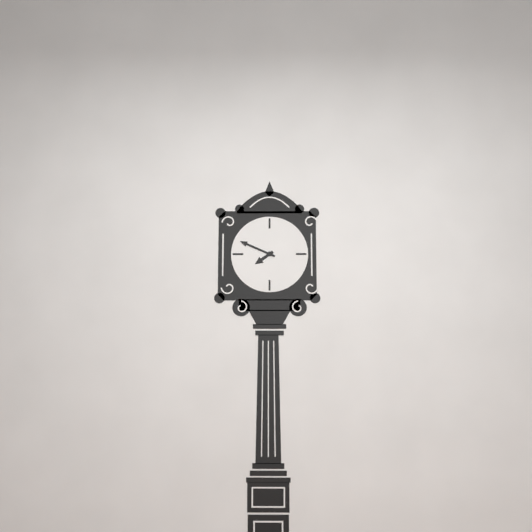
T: 7:49
